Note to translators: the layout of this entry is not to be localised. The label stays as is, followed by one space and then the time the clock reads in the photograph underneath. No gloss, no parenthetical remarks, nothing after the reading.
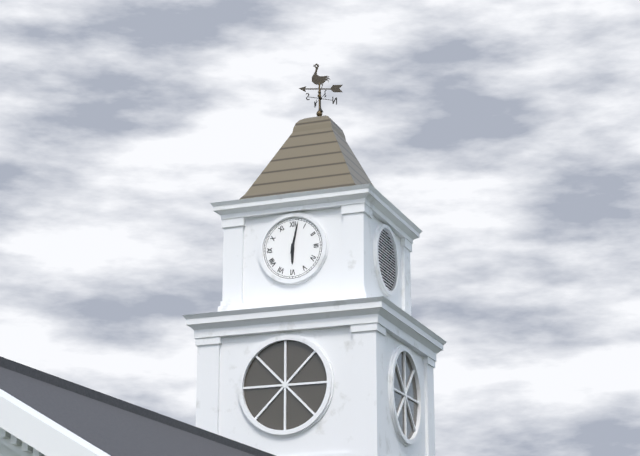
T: 6:02
